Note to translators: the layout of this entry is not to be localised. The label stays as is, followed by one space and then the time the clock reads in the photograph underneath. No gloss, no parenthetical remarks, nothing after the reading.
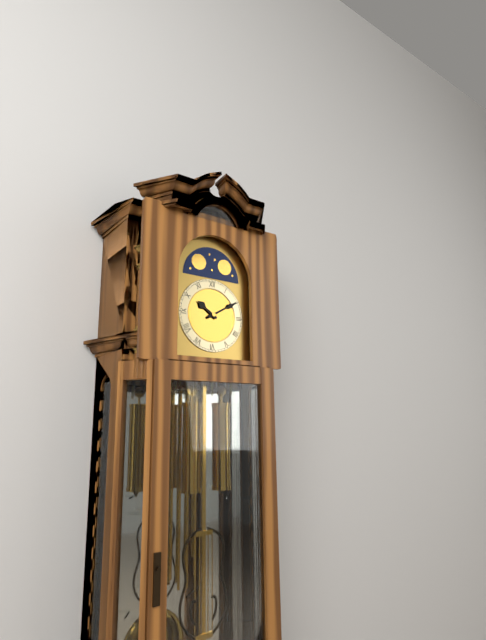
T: 10:10
